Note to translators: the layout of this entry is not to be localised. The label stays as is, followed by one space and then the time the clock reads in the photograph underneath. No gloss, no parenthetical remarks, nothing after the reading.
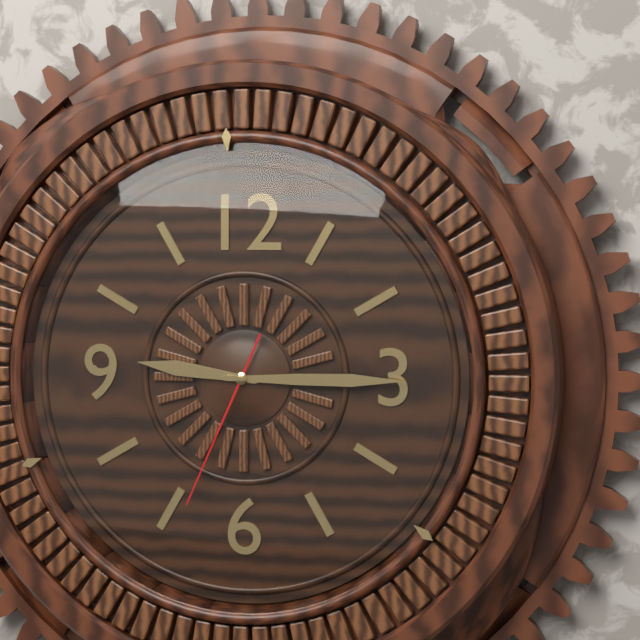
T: 9:15:34
